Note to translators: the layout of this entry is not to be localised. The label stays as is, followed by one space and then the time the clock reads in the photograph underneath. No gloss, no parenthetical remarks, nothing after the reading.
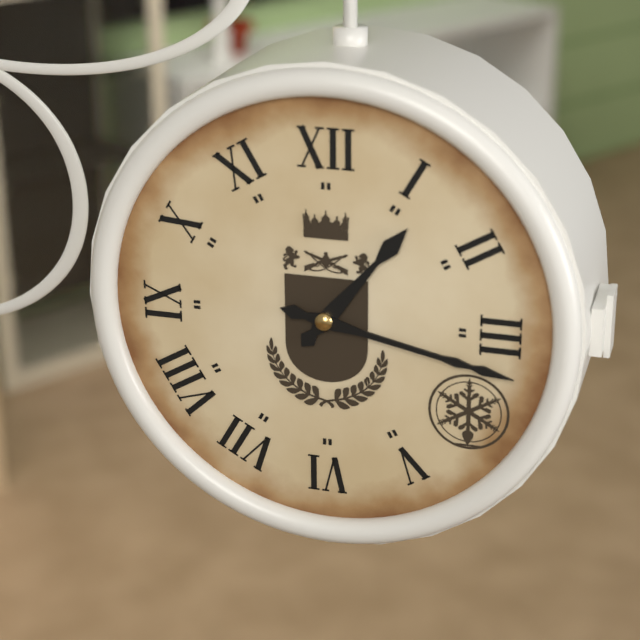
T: 1:17
